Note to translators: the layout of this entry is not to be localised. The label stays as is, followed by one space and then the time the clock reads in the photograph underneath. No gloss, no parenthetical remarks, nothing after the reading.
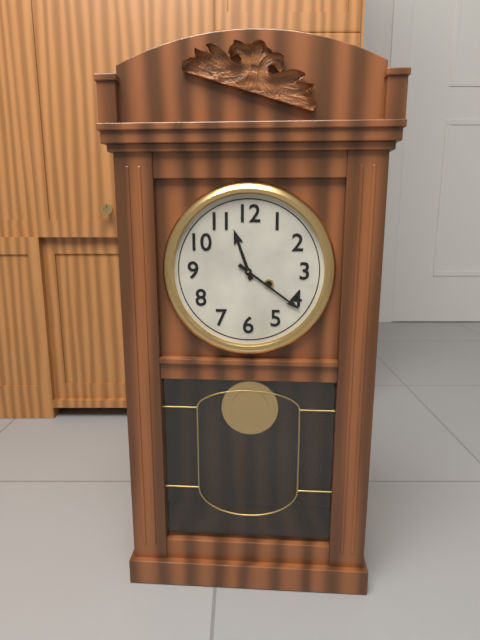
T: 11:21
